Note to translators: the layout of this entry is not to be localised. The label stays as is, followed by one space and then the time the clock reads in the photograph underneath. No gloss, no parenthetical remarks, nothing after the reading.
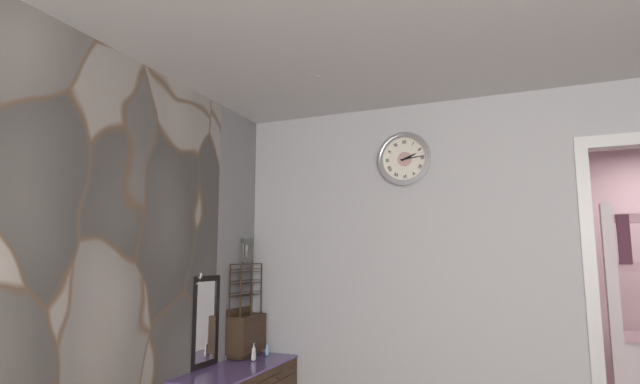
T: 2:14
